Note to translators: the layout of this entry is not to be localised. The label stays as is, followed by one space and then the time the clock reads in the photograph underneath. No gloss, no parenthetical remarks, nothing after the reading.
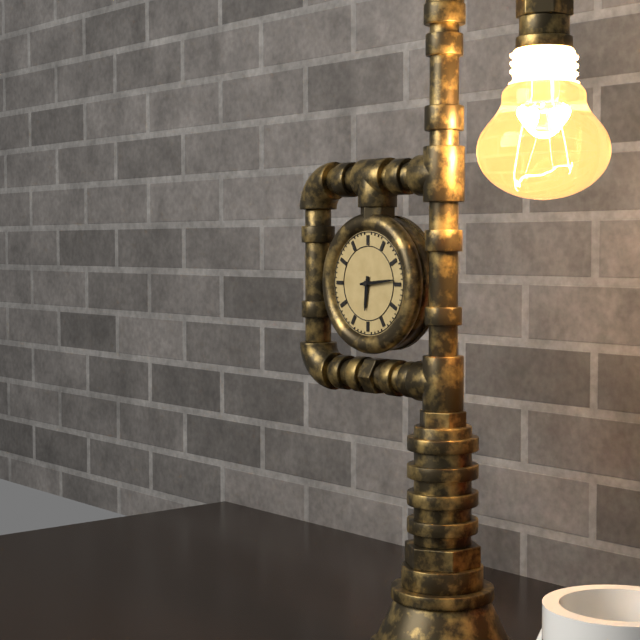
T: 6:14
